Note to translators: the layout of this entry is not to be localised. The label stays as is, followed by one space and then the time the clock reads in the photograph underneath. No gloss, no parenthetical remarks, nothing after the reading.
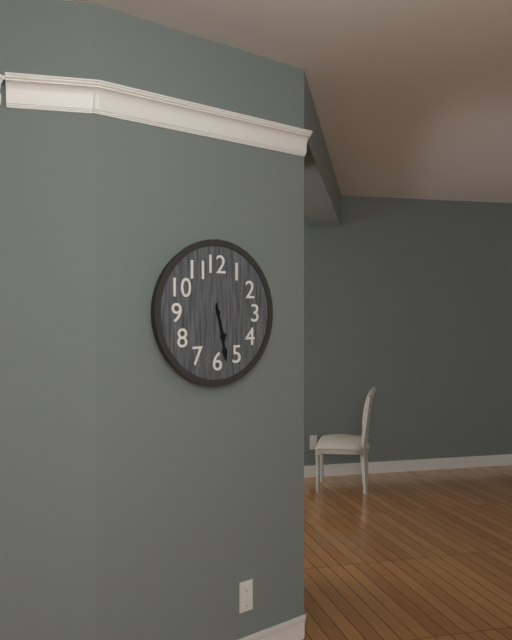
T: 5:28
